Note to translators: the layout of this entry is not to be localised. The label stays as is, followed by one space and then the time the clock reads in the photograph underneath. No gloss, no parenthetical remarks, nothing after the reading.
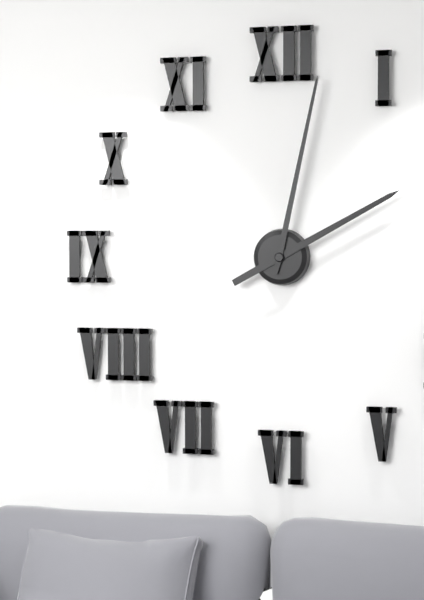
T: 2:02
